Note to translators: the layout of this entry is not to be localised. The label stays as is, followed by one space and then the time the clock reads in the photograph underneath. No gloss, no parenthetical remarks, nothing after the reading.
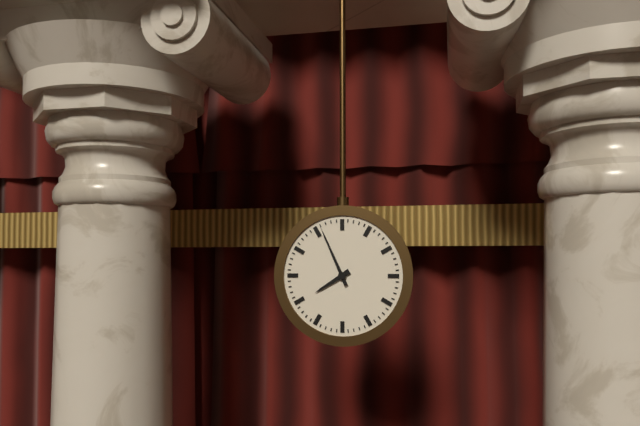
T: 7:56
